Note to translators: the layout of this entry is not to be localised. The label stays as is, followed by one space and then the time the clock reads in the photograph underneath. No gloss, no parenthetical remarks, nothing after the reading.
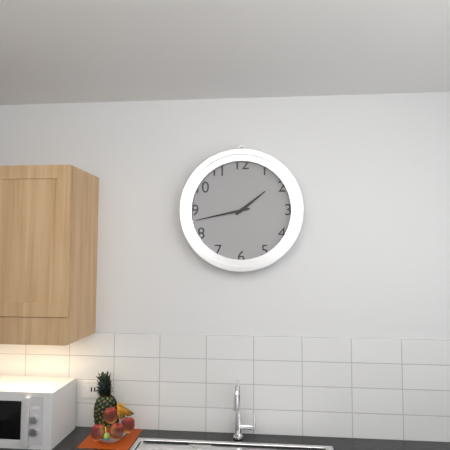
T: 1:43
